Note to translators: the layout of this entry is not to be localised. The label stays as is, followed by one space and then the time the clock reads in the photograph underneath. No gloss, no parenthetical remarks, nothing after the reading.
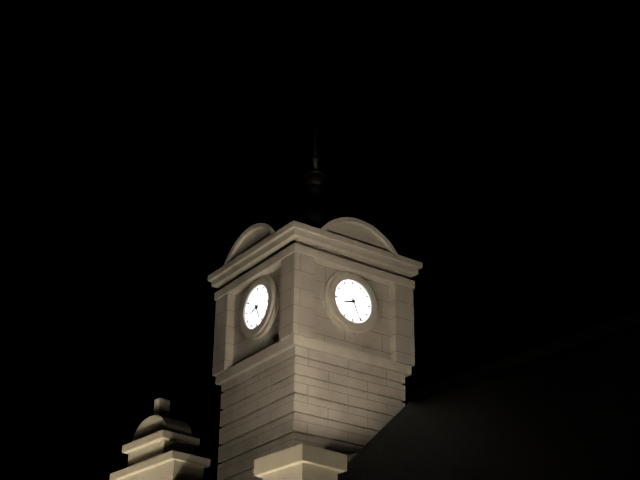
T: 8:26
